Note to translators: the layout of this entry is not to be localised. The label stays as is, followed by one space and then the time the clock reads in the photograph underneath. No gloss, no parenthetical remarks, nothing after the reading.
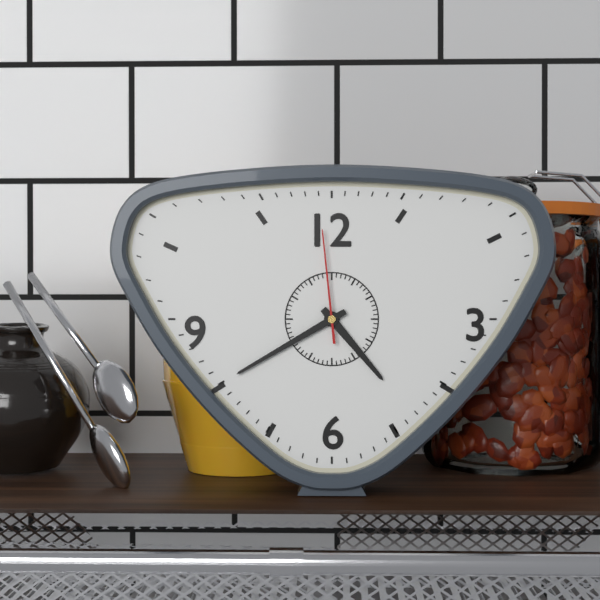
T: 4:40:59
